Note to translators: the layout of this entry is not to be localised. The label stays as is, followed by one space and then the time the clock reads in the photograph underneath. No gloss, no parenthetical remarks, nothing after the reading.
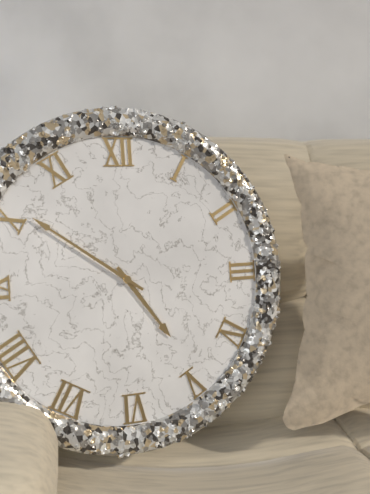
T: 4:51
